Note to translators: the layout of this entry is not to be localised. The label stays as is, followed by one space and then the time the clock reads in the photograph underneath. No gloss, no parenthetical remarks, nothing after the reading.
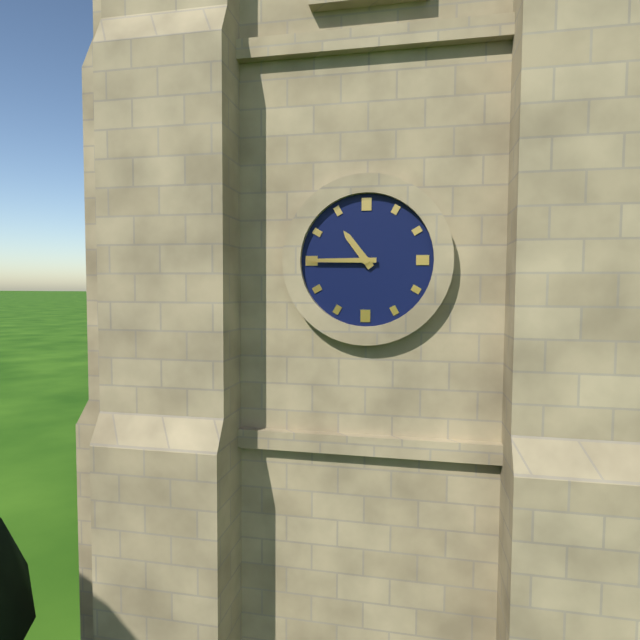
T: 10:45
